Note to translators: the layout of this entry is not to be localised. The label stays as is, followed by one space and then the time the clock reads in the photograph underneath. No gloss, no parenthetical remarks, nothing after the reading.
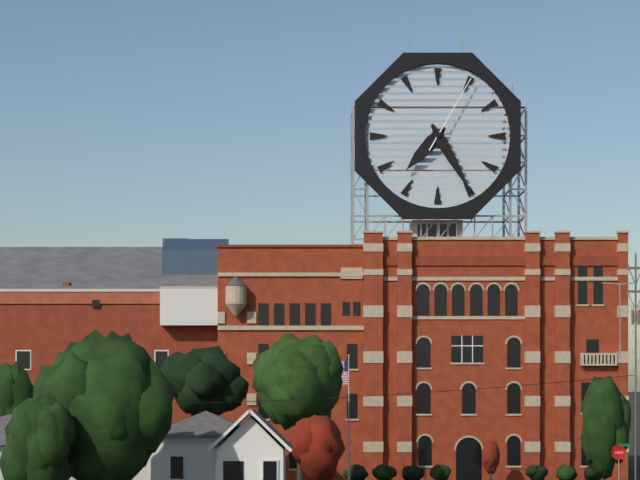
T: 7:25:05
